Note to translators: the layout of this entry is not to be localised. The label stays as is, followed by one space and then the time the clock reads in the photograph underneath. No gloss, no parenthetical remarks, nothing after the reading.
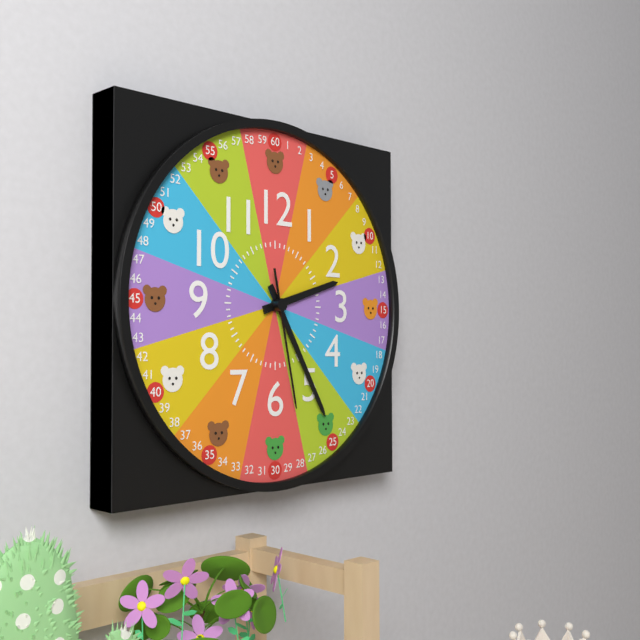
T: 2:25:28
